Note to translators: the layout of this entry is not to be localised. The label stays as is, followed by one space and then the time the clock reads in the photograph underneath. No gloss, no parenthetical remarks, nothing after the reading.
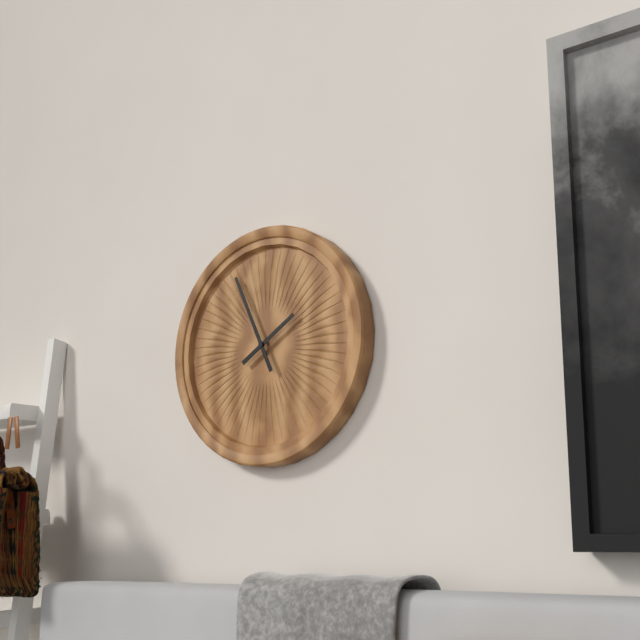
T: 1:56
